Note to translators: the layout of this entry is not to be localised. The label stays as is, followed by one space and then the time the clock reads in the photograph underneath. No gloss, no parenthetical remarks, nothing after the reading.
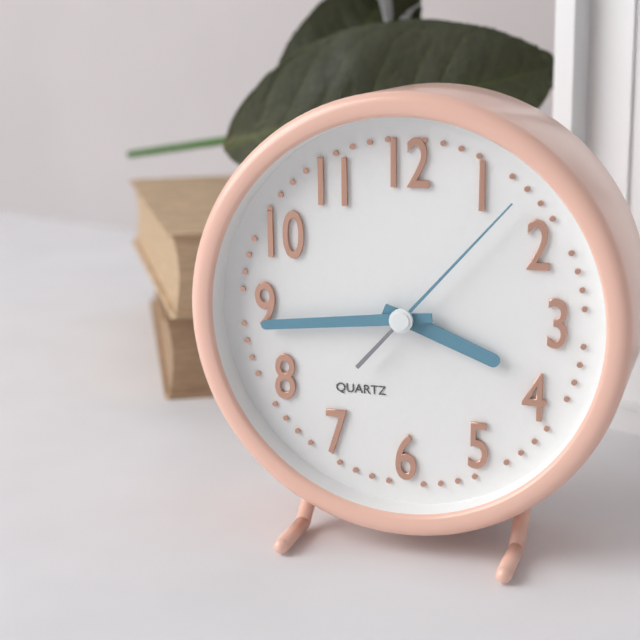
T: 3:44:07
